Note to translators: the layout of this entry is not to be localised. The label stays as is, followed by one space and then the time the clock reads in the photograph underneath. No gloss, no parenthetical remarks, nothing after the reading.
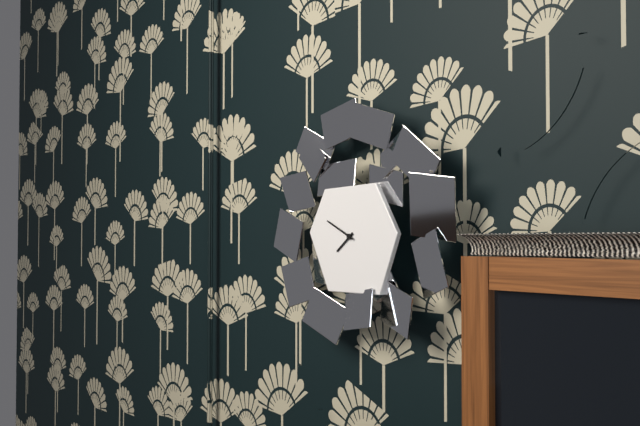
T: 7:49
